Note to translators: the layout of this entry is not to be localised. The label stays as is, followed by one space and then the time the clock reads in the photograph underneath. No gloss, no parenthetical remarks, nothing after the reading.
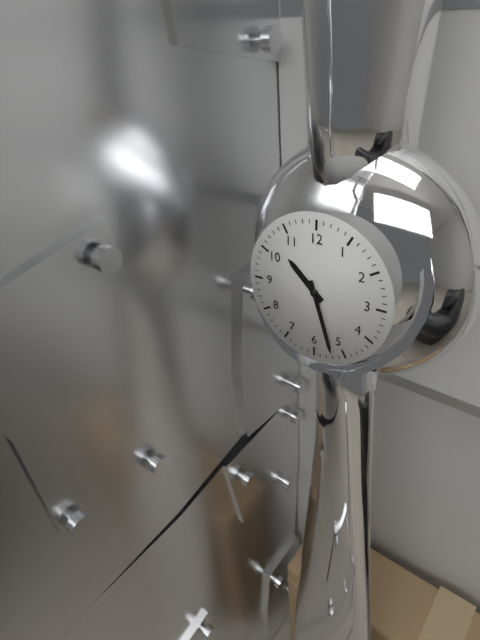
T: 10:27
